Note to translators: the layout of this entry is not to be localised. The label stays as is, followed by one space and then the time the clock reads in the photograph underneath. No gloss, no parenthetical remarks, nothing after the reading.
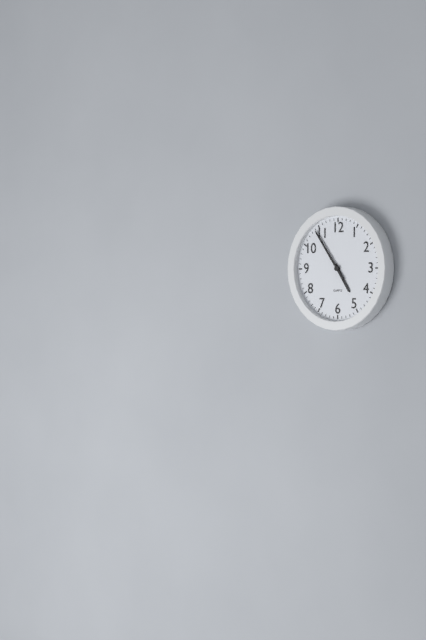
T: 4:54
